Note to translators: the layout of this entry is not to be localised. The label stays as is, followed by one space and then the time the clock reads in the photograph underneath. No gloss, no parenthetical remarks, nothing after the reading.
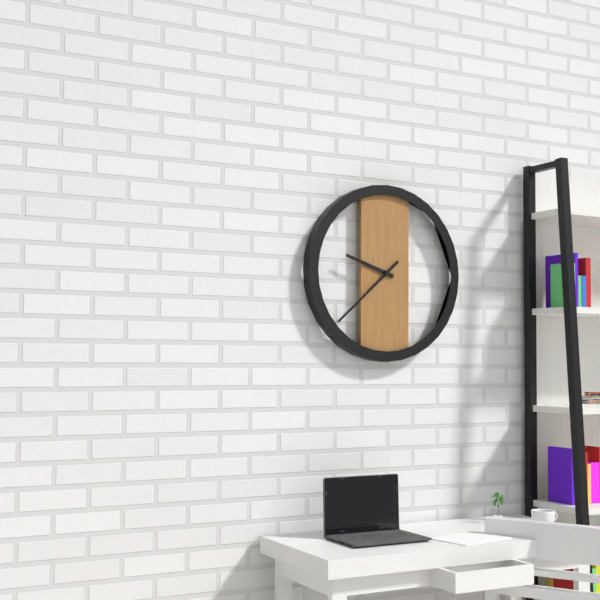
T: 9:38
